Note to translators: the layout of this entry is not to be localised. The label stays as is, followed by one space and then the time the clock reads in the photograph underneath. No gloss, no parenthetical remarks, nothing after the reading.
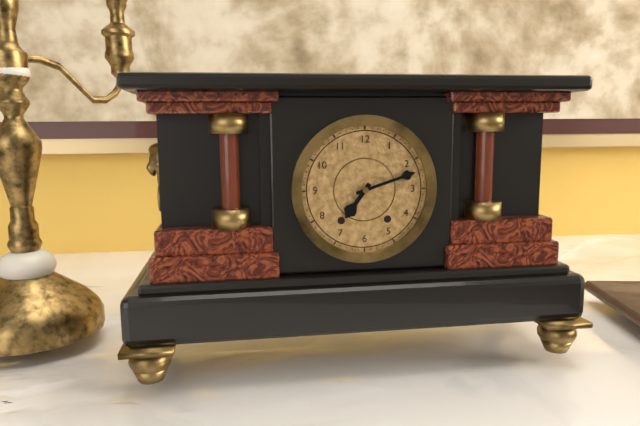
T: 7:12
